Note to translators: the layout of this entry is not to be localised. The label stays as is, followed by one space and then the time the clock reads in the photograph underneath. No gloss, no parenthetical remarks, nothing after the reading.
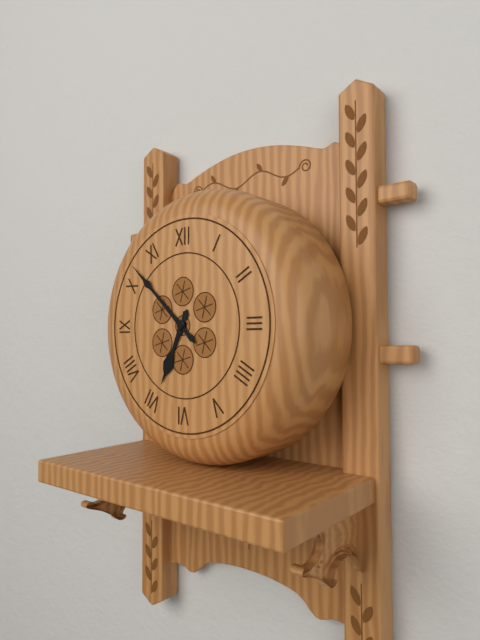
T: 6:52
